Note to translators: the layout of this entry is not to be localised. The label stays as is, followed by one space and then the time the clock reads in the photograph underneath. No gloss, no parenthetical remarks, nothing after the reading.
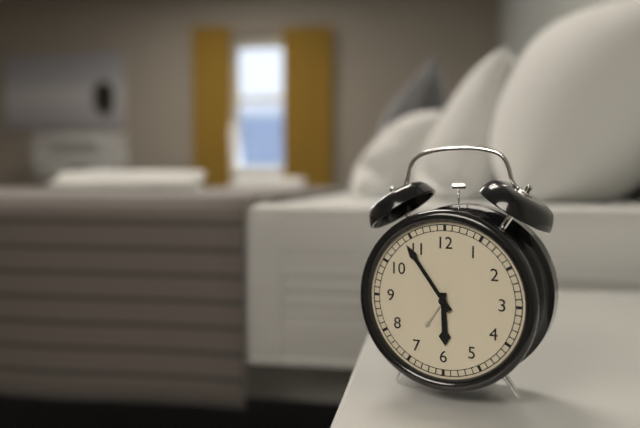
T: 5:54
